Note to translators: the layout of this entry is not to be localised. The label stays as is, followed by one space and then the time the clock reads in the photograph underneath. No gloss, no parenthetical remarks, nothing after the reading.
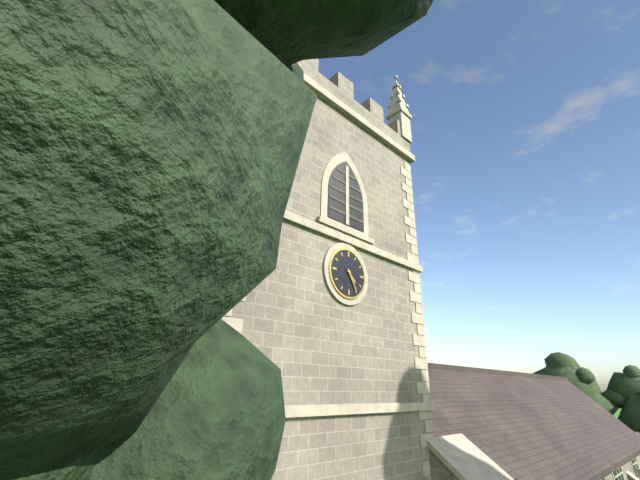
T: 4:25
